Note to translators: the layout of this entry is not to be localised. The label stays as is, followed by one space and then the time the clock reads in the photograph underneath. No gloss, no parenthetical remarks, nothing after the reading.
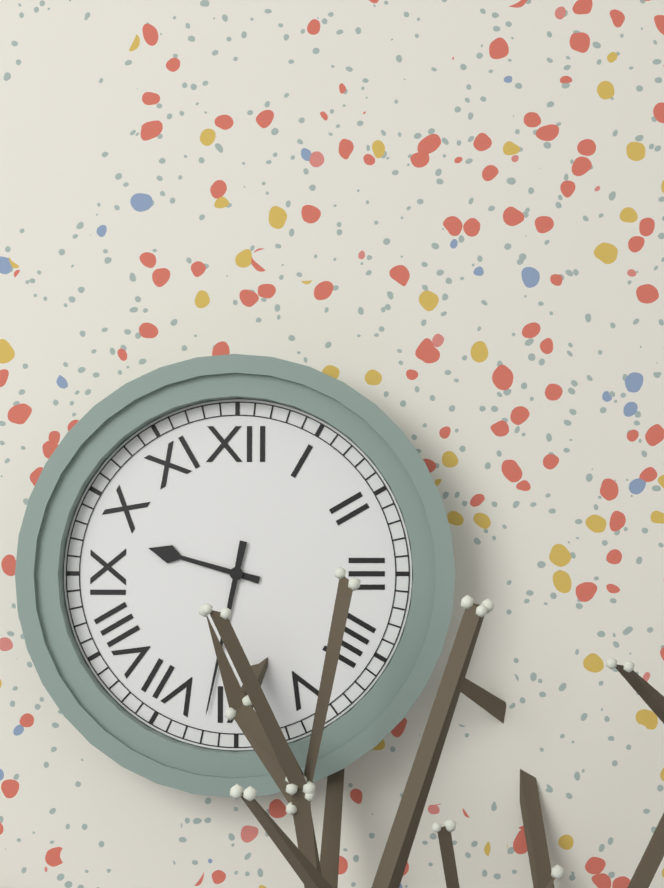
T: 9:32
